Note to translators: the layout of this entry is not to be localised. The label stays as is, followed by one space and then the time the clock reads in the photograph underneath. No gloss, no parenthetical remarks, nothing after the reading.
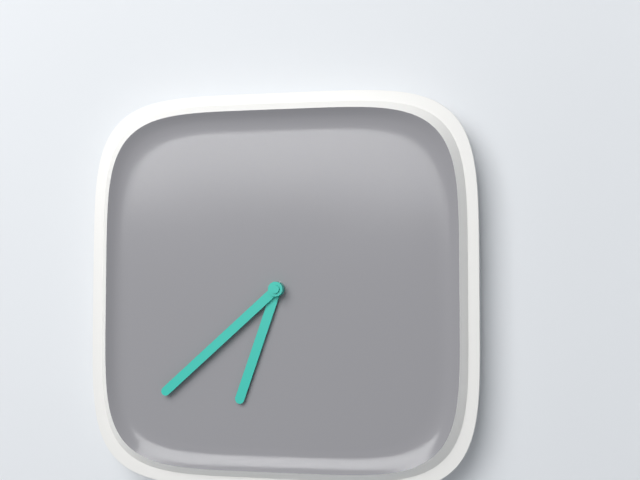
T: 6:38
